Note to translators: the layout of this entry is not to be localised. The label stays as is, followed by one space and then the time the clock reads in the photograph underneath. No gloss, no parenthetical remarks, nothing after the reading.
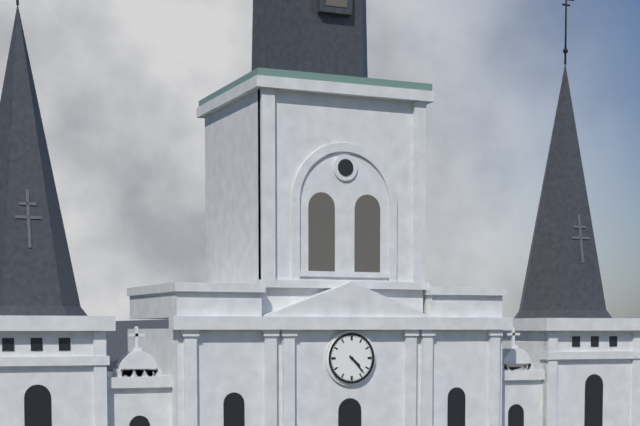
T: 4:23
